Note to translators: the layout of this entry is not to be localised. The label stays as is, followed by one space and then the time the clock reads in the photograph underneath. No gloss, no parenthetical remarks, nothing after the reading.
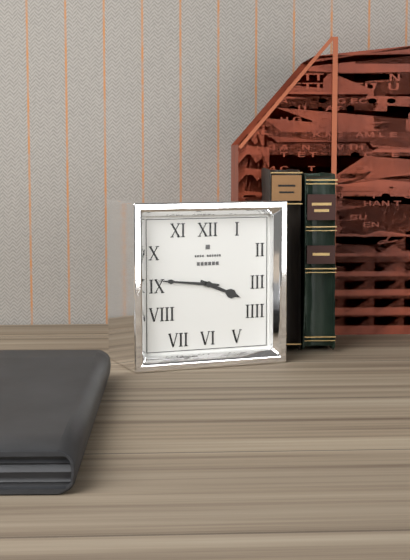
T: 3:46
